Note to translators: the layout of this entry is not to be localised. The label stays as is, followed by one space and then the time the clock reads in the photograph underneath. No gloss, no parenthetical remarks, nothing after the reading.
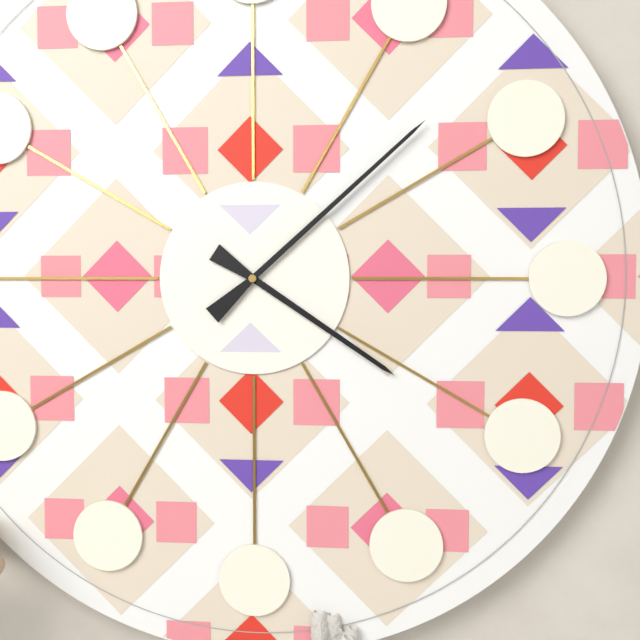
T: 4:08
